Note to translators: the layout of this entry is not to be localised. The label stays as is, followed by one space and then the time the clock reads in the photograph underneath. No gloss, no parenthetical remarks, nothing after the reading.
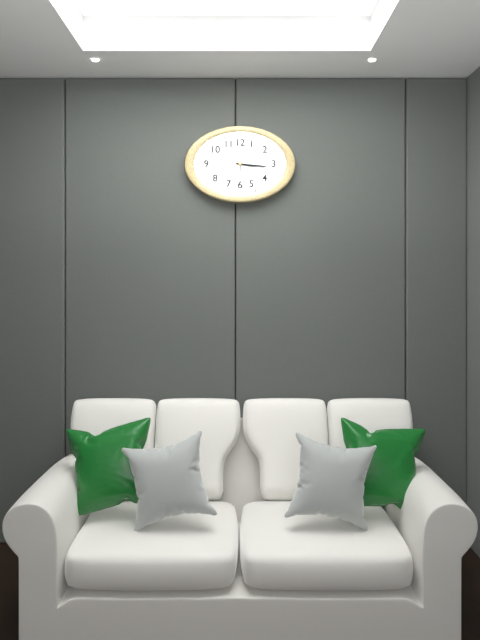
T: 3:16
